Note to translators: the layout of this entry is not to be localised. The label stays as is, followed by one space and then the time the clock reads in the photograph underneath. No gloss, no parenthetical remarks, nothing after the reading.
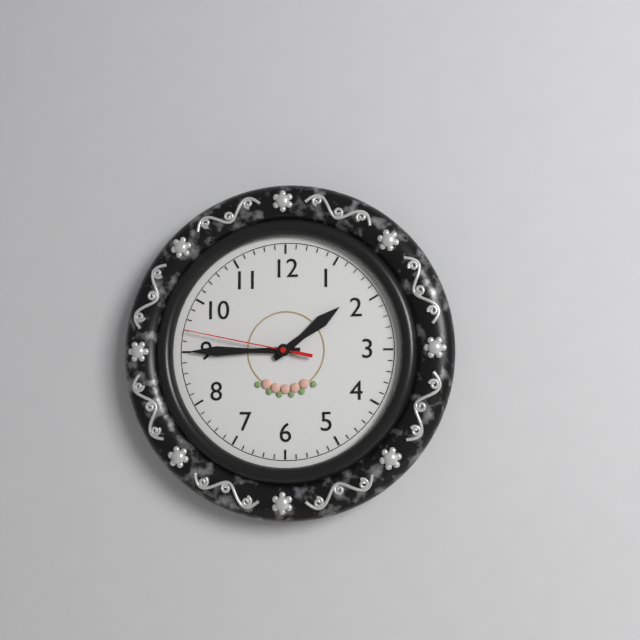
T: 1:45:47
